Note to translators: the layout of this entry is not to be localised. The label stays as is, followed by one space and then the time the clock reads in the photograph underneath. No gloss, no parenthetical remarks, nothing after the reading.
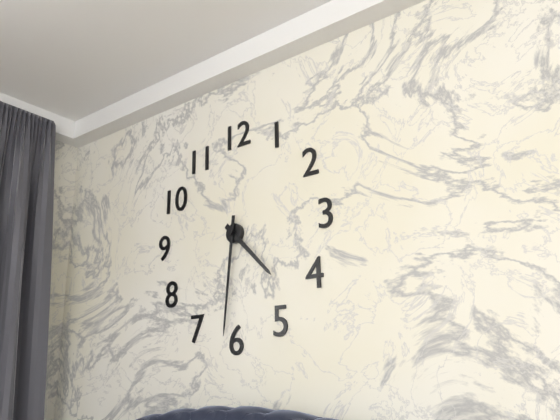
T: 4:31
